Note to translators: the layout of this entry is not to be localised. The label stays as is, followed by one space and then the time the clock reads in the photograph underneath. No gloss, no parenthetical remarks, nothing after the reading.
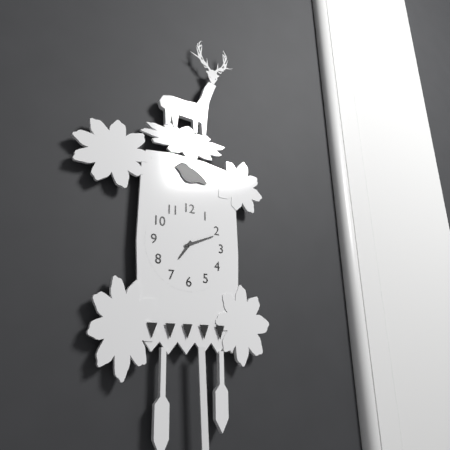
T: 7:11
